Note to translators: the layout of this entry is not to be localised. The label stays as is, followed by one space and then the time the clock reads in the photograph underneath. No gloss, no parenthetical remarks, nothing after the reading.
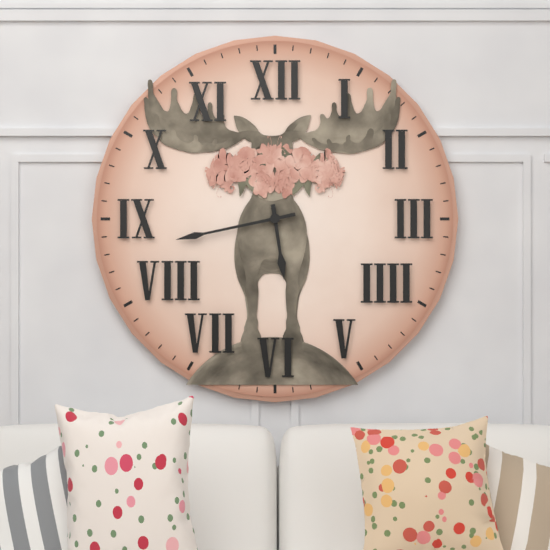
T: 5:43
